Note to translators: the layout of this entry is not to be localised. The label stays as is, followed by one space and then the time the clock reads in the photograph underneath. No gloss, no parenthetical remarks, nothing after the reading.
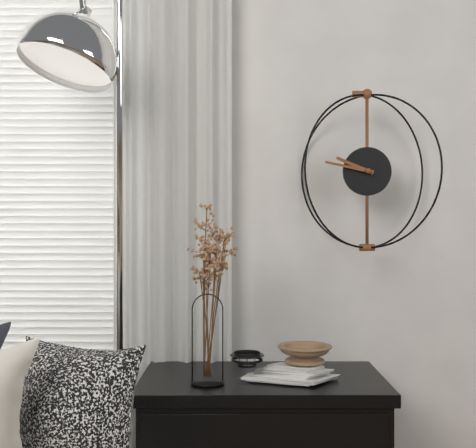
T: 9:47
